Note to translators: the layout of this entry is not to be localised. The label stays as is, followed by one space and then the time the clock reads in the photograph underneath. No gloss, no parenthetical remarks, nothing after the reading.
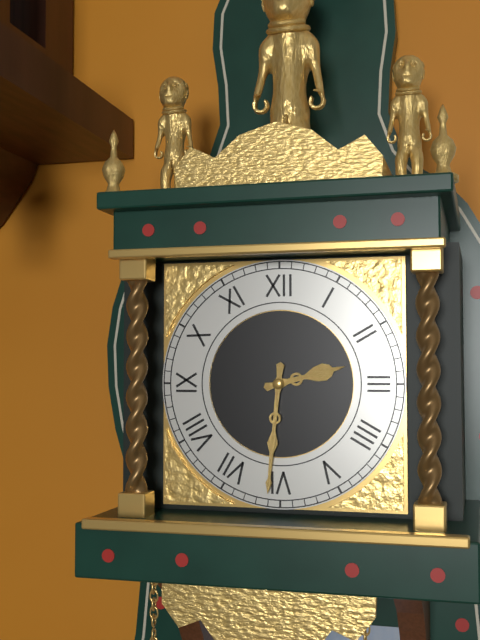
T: 2:31
